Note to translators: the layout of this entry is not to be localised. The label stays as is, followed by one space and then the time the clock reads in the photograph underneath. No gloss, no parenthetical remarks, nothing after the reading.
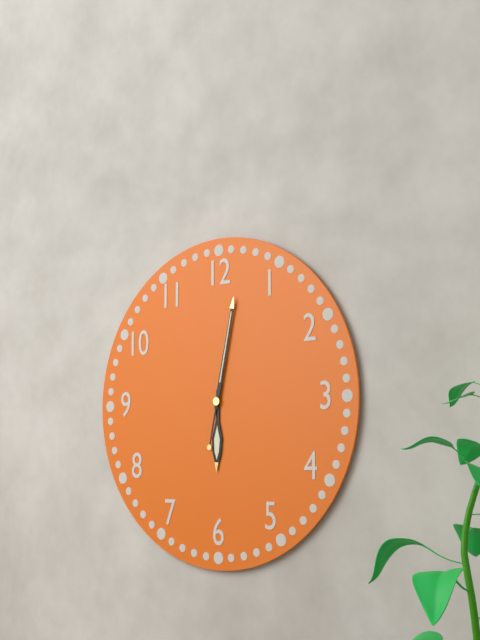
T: 6:02
